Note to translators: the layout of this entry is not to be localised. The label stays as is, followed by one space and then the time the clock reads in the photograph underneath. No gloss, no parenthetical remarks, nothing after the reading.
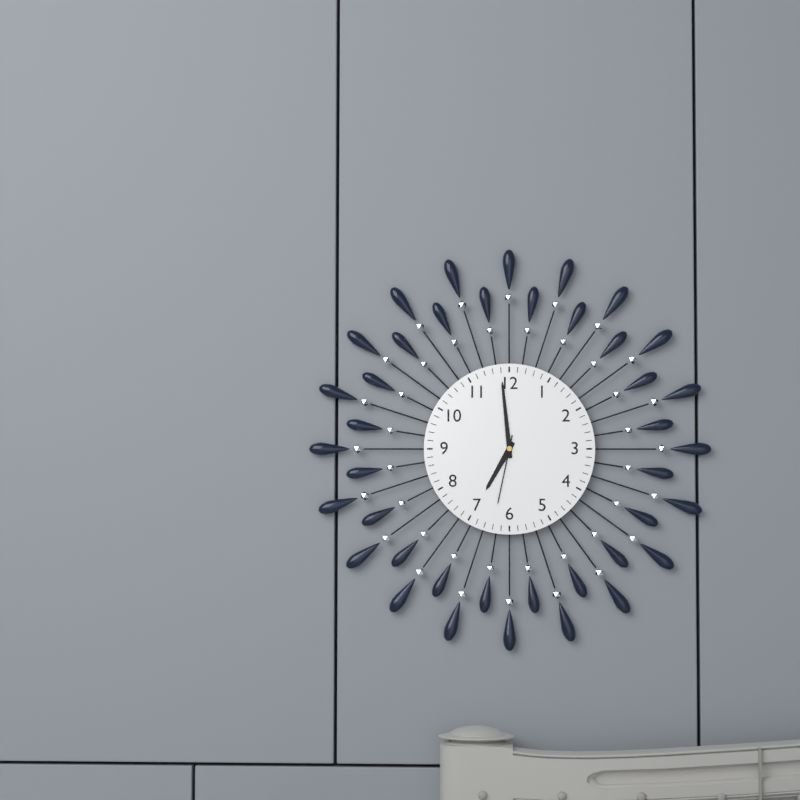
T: 6:59:32
